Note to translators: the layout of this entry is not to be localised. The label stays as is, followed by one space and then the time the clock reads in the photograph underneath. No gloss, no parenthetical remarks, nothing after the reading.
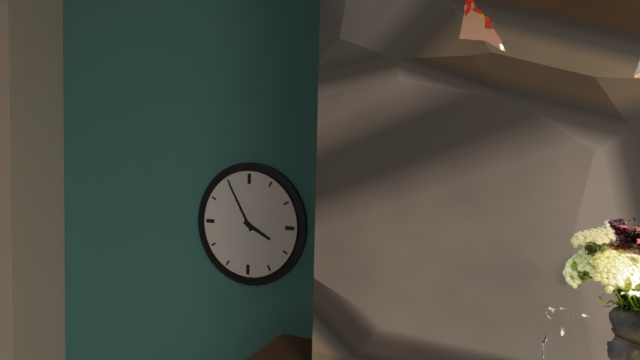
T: 3:55
